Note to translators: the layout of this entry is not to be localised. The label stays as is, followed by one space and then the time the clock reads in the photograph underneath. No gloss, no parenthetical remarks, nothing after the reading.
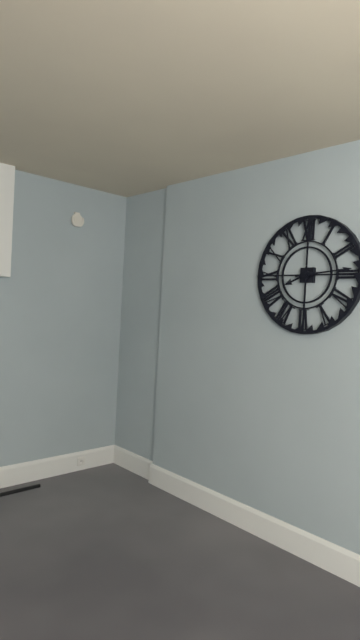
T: 8:14
